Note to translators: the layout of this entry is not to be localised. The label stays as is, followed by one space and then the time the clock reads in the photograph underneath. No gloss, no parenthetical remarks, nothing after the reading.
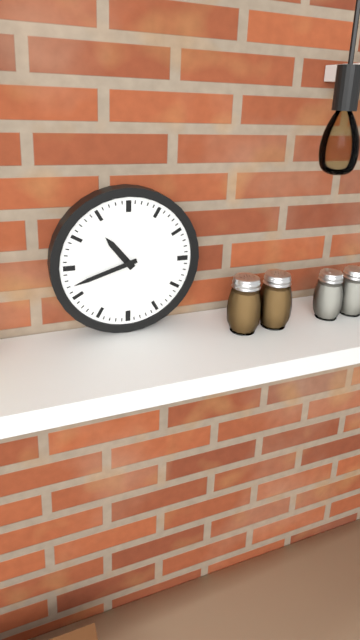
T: 10:42
